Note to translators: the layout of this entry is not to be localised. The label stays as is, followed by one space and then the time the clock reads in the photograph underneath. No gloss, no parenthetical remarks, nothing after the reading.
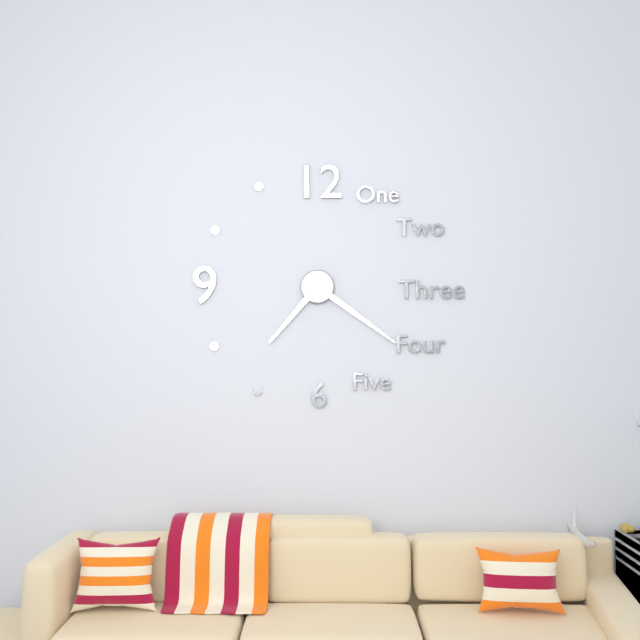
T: 7:21
